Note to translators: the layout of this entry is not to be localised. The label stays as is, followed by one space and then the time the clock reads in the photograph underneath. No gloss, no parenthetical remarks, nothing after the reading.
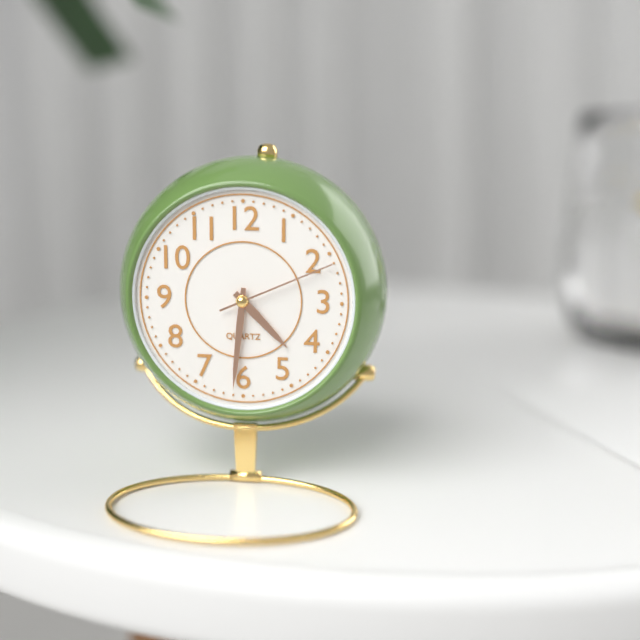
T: 4:31:11
